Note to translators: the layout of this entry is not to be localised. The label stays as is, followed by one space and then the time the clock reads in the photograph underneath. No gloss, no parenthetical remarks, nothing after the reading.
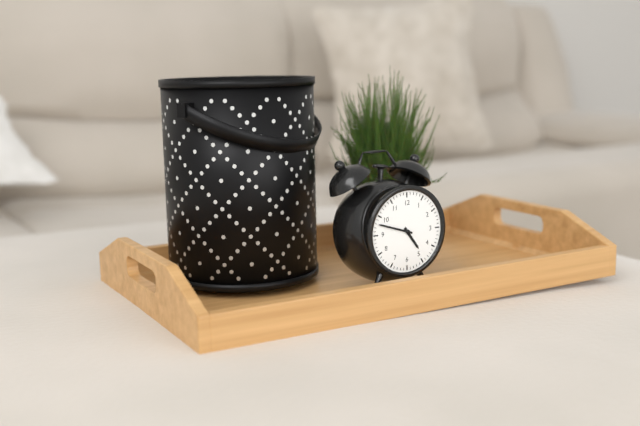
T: 4:48
